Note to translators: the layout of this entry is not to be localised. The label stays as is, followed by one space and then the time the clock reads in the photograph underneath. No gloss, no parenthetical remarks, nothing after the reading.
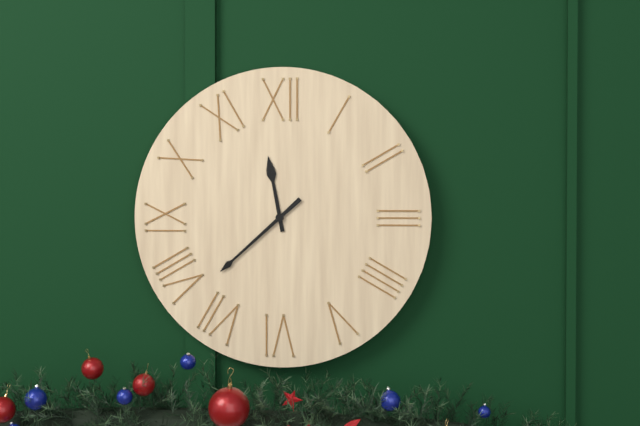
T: 11:38
